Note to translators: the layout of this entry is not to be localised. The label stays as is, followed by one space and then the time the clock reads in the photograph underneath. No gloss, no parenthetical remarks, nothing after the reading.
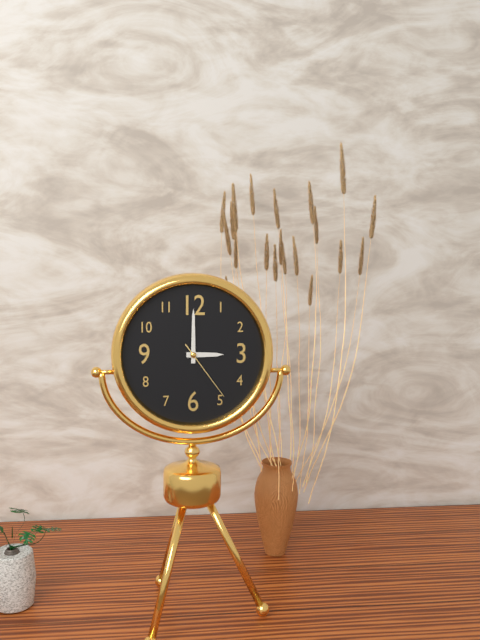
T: 3:00:24
